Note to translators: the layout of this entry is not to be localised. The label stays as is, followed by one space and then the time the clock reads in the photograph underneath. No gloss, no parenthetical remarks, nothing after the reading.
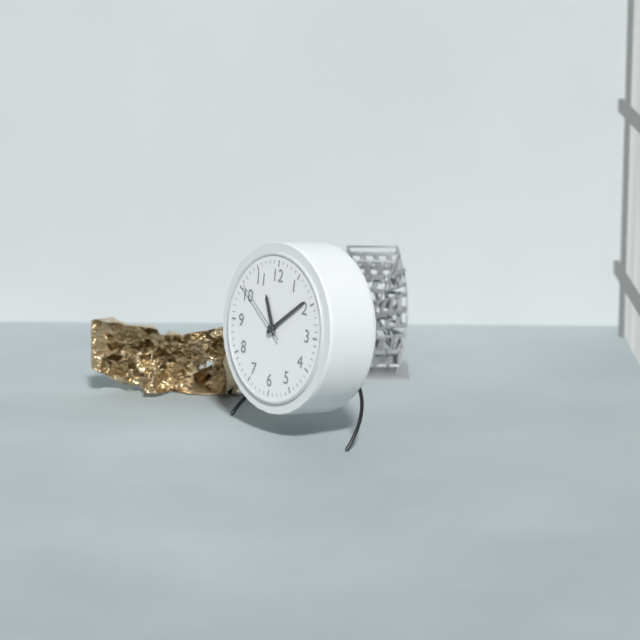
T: 11:09:51
